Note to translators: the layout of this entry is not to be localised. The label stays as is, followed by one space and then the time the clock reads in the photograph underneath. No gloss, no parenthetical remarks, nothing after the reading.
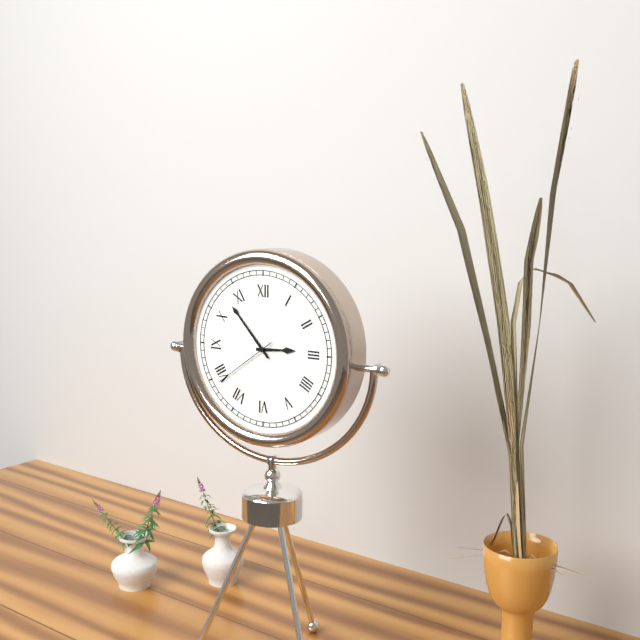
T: 2:53:39
